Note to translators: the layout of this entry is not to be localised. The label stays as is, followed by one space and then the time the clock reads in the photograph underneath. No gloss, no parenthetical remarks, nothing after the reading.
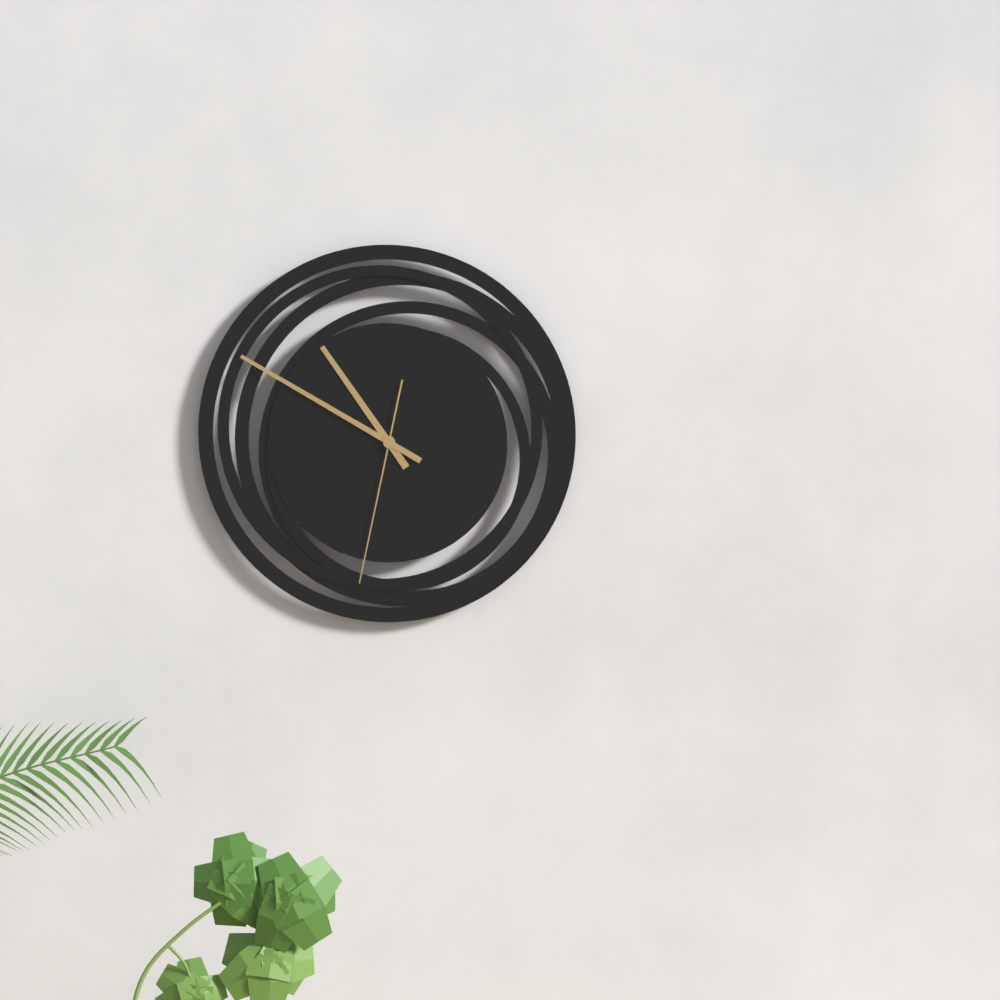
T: 10:50:32
